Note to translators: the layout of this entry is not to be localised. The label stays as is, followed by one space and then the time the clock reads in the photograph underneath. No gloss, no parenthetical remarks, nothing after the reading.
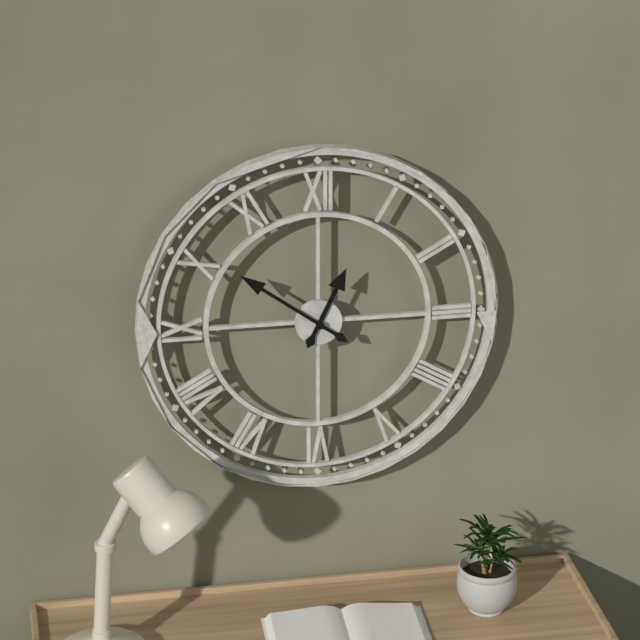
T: 12:51
